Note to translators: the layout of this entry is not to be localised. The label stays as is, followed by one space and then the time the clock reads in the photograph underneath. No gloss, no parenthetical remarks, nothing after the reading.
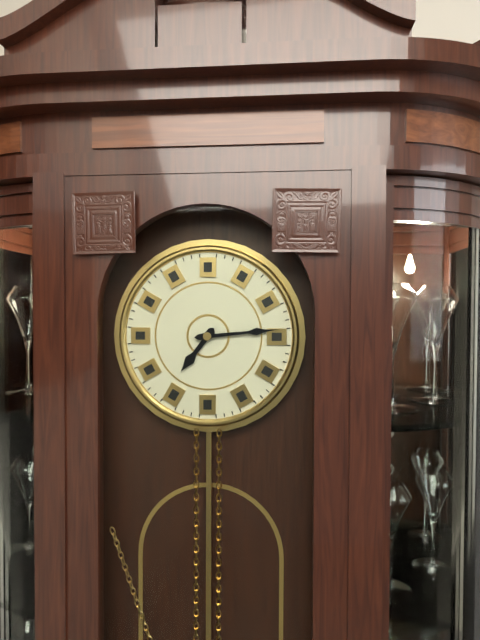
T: 7:14
